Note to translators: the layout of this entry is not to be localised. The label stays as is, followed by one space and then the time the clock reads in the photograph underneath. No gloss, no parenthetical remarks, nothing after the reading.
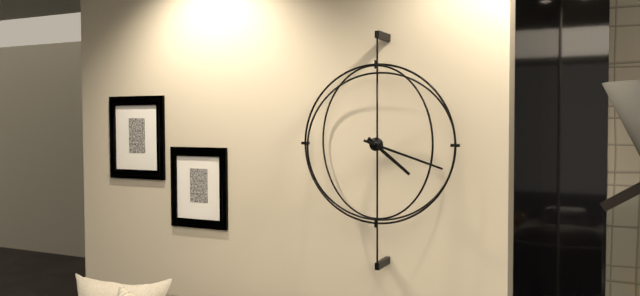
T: 4:18
